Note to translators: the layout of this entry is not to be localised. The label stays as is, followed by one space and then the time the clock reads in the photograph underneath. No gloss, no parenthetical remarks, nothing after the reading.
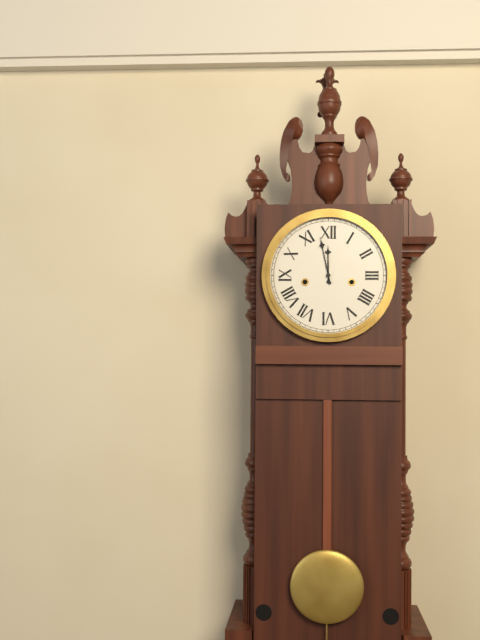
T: 11:58
